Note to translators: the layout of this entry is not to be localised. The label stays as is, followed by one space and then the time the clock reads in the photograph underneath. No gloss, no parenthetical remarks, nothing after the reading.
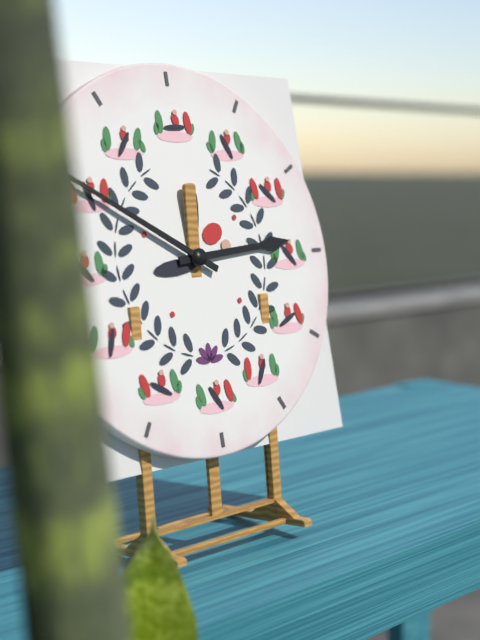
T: 2:50
